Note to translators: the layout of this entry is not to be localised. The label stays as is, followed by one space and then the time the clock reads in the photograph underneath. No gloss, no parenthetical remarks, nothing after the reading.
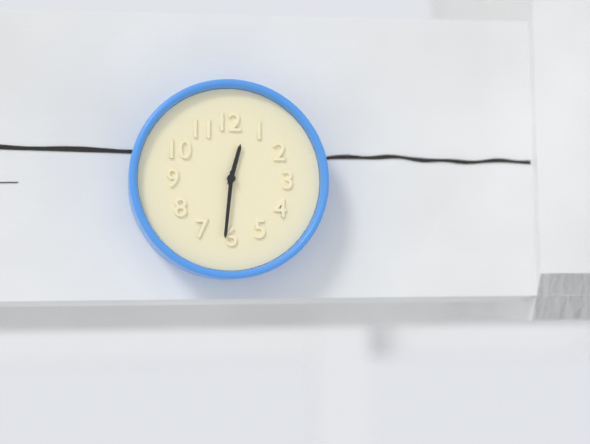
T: 12:31
